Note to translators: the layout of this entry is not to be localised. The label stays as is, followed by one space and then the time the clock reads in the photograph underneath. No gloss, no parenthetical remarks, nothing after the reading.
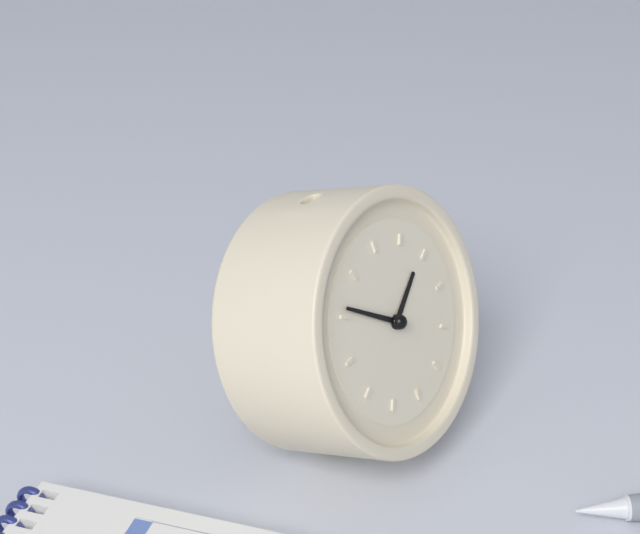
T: 1:51
